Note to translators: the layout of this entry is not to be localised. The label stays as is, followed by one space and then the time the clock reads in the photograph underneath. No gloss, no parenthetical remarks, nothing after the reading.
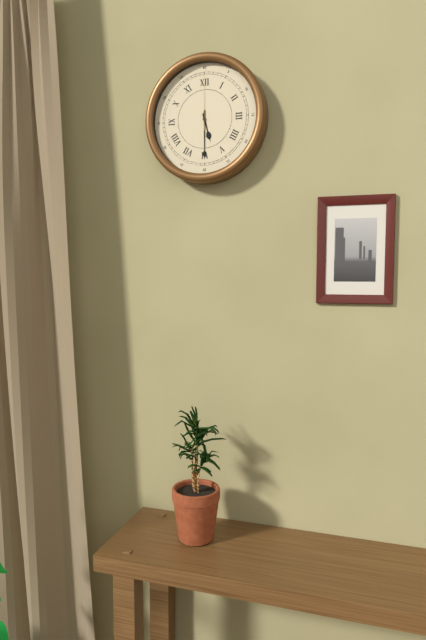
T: 5:30:00
